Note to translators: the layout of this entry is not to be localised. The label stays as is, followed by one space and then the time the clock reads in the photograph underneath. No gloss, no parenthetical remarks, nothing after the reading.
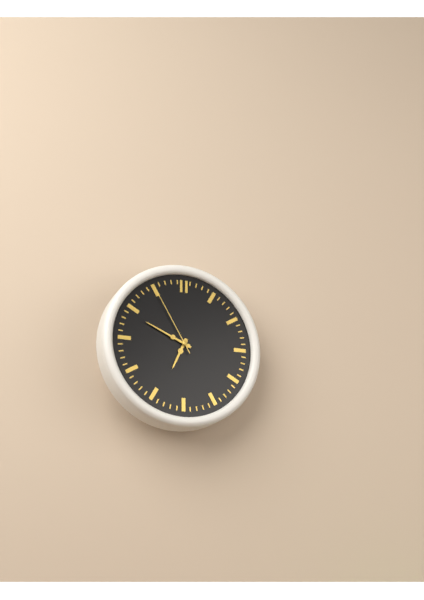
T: 6:49:55
